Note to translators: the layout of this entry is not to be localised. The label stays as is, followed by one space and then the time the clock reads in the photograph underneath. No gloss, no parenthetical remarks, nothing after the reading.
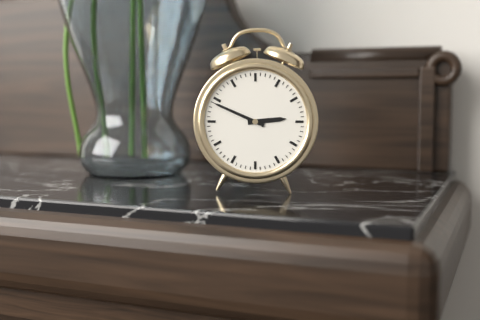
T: 2:49
